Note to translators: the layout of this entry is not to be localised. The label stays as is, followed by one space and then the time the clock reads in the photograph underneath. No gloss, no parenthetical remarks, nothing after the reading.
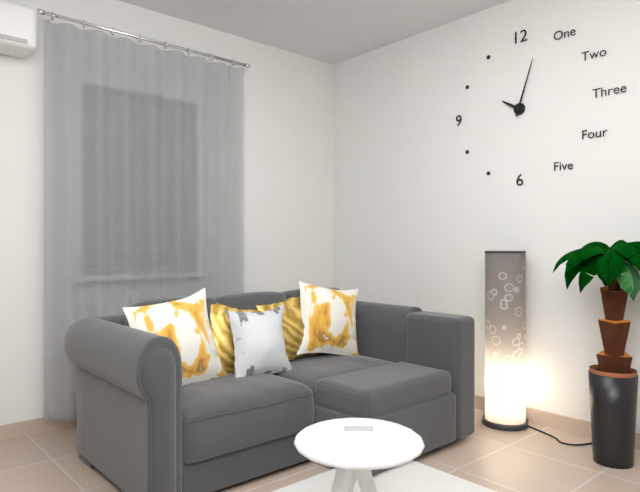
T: 10:03
